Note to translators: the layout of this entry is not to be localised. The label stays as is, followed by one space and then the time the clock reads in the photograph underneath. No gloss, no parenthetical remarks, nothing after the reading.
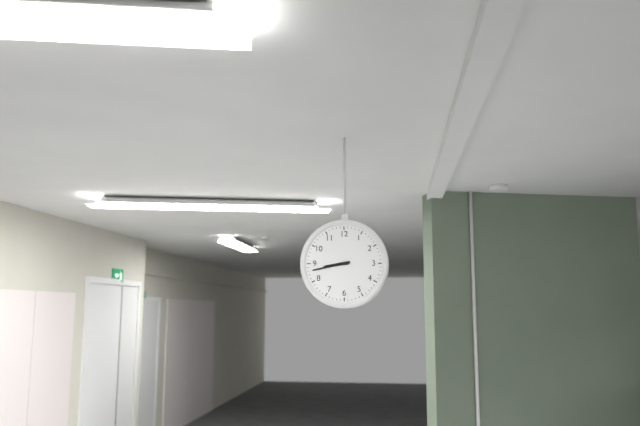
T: 8:43
